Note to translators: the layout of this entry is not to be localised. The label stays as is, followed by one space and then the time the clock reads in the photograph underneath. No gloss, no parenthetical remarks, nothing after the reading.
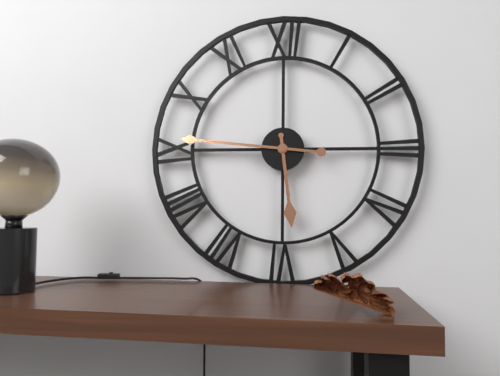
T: 5:46
